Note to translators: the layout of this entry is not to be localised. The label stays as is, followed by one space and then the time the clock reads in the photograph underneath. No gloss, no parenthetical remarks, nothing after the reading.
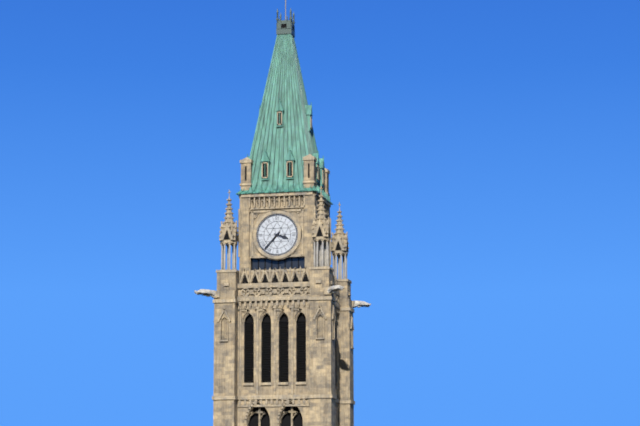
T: 3:37
